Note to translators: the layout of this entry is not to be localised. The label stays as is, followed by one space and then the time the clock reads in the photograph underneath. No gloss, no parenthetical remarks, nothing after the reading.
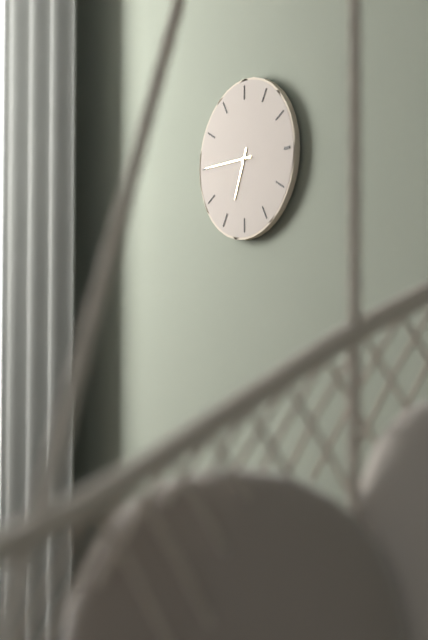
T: 6:45
